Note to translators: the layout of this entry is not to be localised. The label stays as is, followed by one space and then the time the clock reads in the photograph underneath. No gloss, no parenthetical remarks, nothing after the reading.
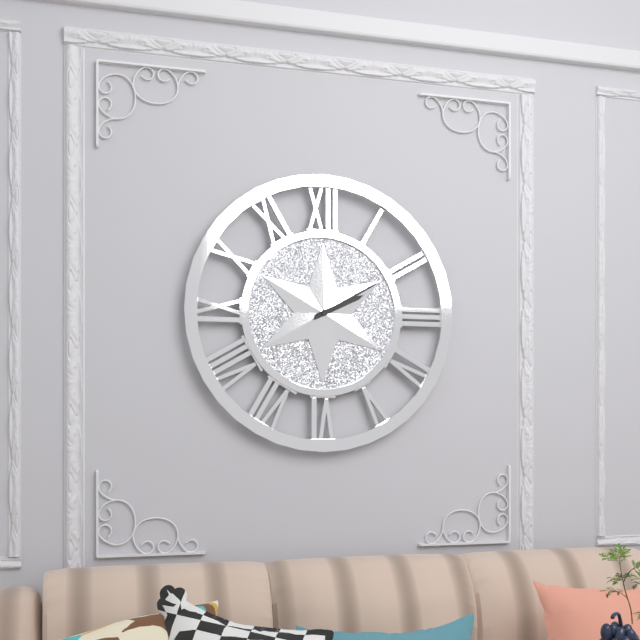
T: 2:10
